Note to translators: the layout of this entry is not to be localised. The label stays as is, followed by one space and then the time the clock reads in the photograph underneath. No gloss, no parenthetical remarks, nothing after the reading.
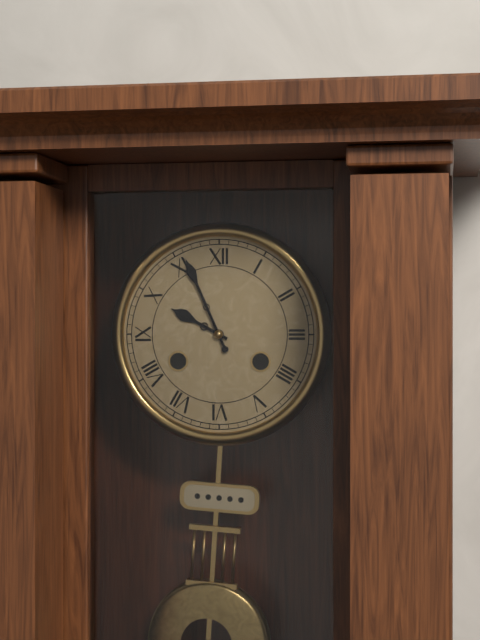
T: 9:56
